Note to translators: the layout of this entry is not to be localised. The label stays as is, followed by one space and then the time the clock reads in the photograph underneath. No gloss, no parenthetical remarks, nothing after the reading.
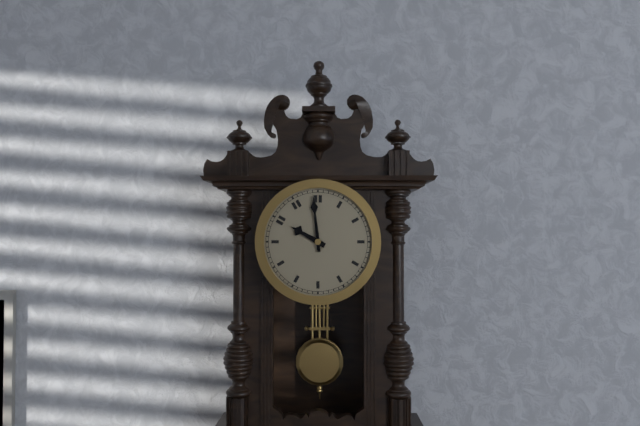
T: 9:59
